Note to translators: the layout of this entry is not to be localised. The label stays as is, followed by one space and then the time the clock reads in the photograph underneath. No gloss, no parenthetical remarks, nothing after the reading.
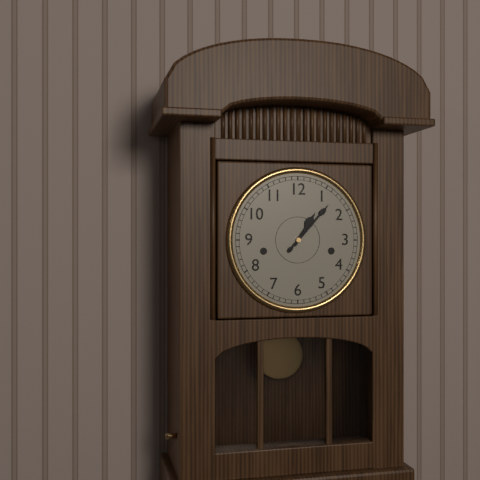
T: 1:07
